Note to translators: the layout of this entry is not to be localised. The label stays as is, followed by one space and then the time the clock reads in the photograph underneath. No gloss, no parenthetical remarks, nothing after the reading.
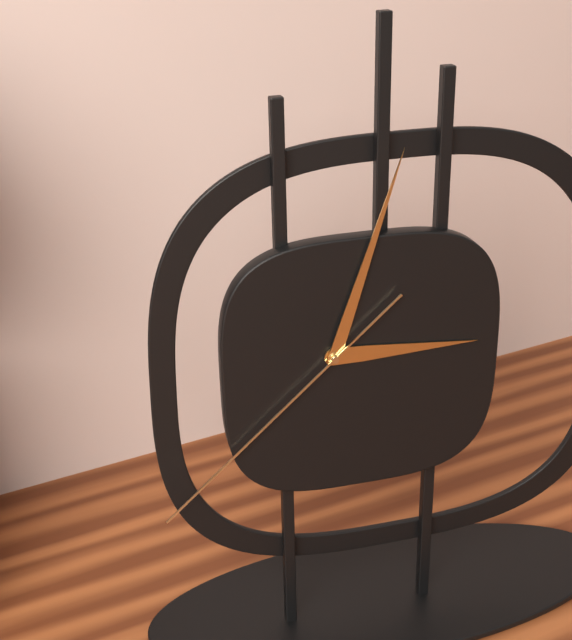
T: 3:03:38
